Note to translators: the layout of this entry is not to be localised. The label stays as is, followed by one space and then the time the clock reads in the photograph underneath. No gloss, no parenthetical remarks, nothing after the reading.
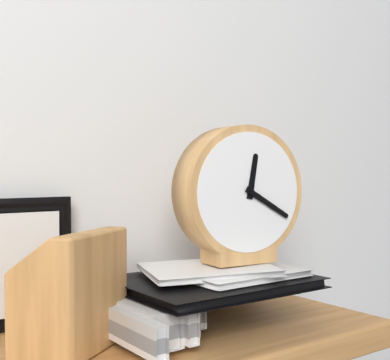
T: 12:20
